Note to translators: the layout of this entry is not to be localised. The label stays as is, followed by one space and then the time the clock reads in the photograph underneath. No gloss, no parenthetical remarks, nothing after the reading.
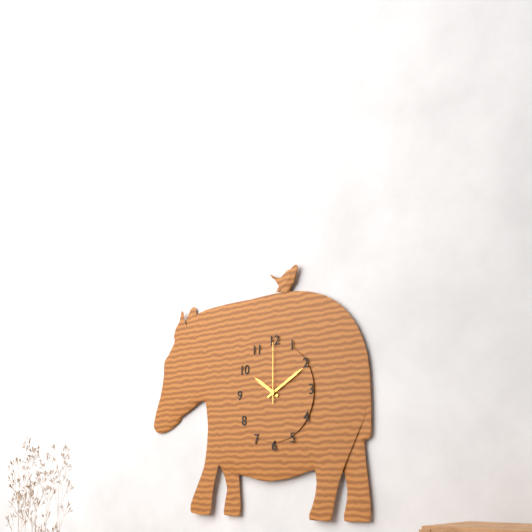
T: 10:10:00
